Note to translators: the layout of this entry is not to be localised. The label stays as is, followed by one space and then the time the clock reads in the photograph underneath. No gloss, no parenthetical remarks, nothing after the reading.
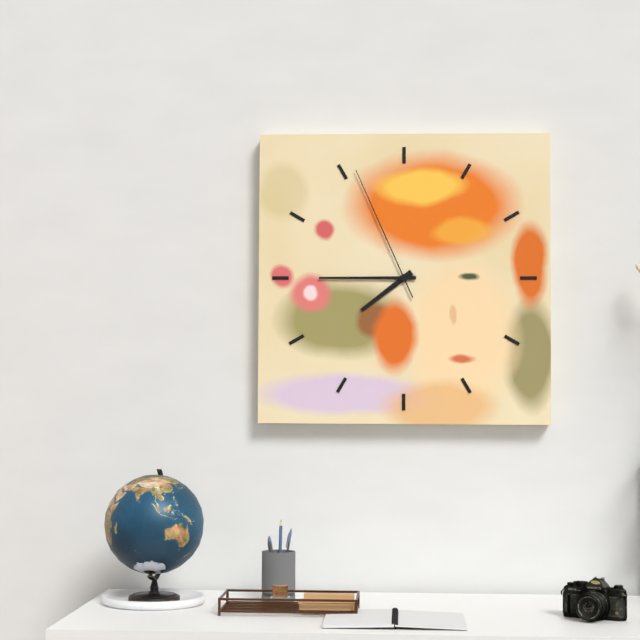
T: 7:45:56
